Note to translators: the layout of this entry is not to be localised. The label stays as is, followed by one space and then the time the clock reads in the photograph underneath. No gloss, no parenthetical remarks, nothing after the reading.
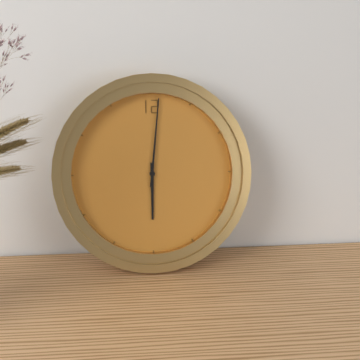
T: 6:01
